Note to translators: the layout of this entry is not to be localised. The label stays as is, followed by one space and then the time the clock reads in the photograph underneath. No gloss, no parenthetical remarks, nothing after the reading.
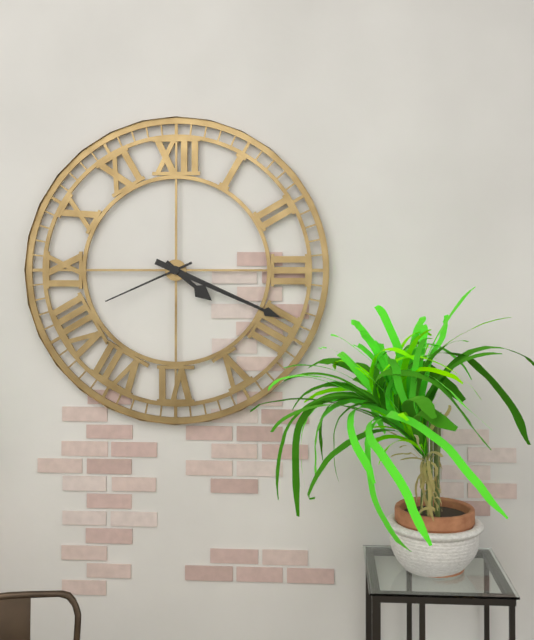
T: 4:19:41
